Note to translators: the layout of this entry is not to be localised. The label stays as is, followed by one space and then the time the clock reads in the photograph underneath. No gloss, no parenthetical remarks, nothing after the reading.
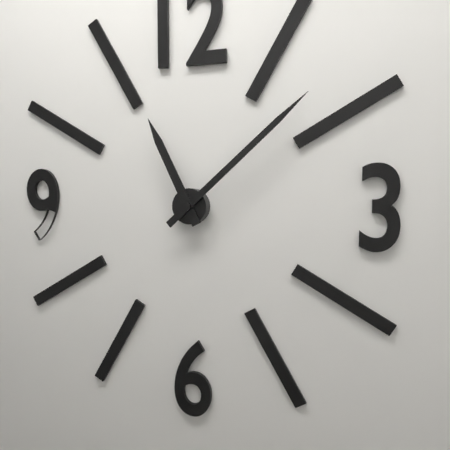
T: 11:08
